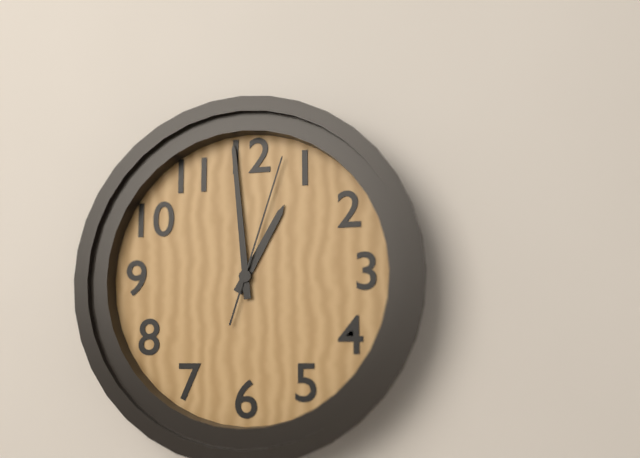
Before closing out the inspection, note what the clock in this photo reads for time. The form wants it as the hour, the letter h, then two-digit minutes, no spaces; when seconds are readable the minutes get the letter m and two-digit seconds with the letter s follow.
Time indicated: 12h59m03s
